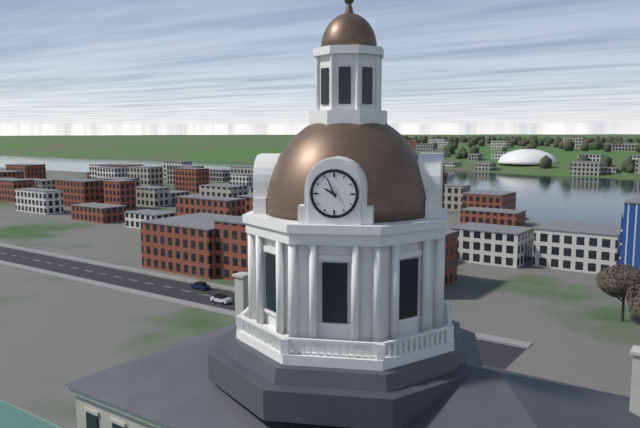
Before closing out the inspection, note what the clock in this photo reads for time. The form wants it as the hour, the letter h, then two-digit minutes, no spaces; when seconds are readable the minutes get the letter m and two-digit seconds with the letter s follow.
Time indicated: 9h56
